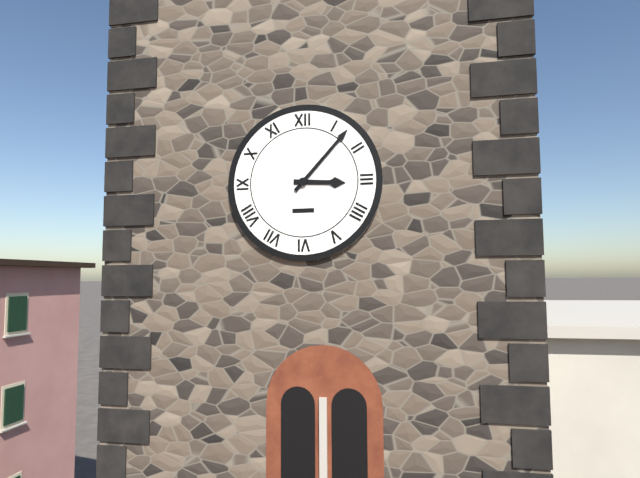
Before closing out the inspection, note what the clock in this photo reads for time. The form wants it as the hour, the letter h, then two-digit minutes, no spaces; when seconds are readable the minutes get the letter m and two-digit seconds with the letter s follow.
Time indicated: 3h07
